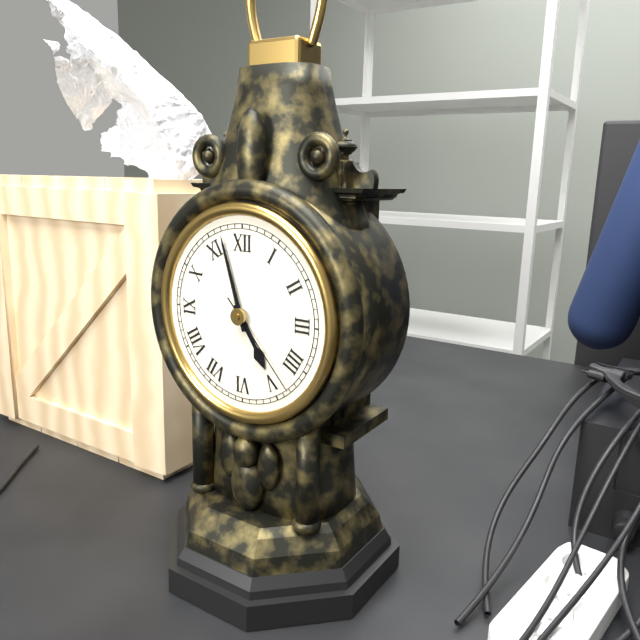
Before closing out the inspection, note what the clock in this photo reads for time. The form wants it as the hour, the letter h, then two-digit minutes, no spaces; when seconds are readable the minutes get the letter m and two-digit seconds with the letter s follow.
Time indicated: 4h57m23s
